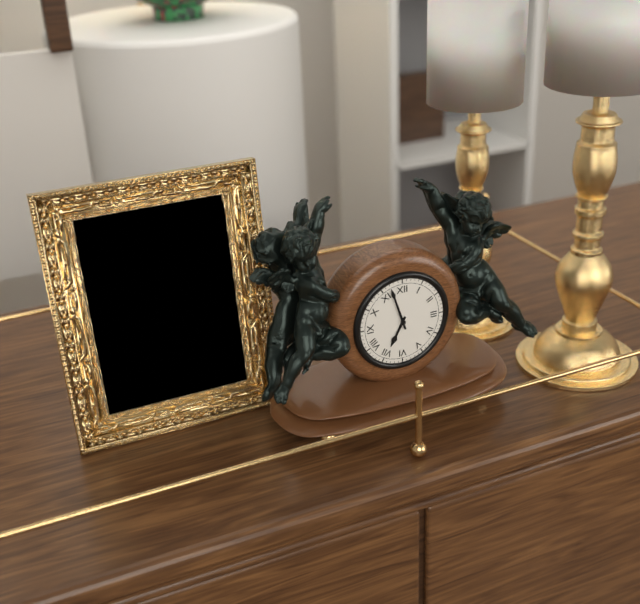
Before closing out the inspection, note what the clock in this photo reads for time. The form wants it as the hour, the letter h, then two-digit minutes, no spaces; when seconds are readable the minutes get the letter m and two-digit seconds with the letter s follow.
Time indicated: 6h57
